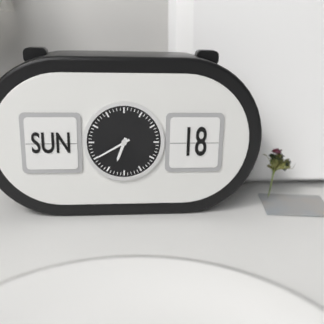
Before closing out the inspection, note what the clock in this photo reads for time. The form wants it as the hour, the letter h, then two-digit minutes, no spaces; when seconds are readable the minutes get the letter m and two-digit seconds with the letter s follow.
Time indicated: 6h40
